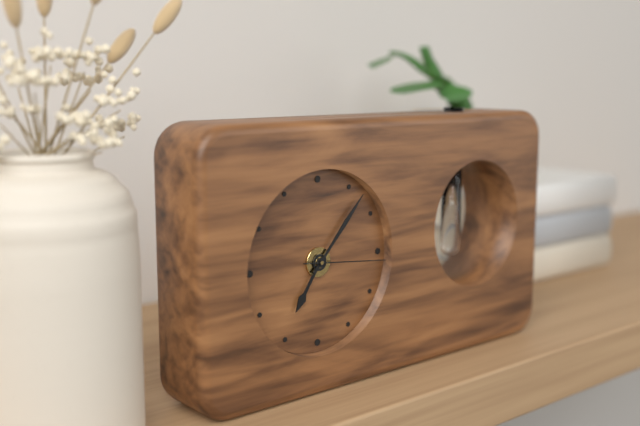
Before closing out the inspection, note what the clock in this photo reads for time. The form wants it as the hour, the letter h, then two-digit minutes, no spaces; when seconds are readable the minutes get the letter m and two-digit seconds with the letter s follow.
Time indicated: 7h07m16s
